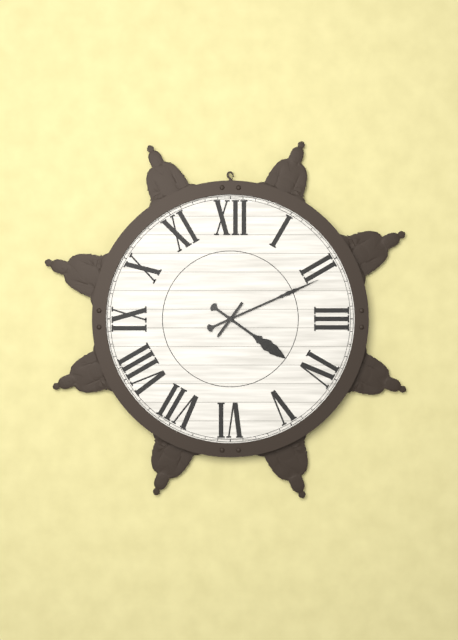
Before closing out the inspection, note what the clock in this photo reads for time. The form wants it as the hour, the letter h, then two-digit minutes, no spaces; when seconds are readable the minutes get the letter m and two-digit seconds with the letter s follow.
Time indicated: 4h11
